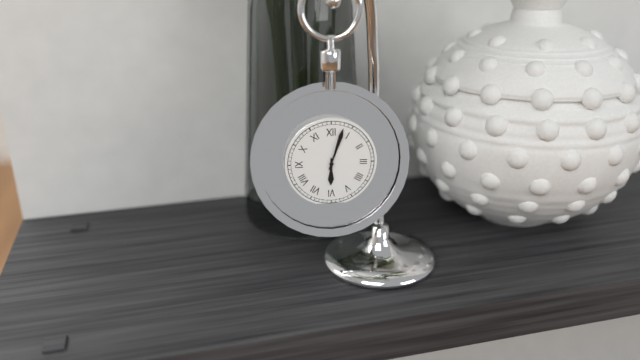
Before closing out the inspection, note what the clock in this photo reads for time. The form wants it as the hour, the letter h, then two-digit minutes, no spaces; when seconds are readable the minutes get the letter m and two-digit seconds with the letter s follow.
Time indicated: 6h03
